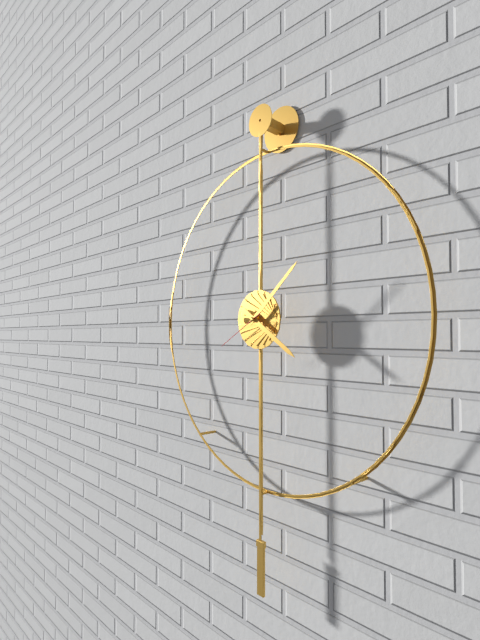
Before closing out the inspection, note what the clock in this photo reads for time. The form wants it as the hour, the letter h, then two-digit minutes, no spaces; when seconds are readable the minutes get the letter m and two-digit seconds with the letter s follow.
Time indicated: 4h08m40s
